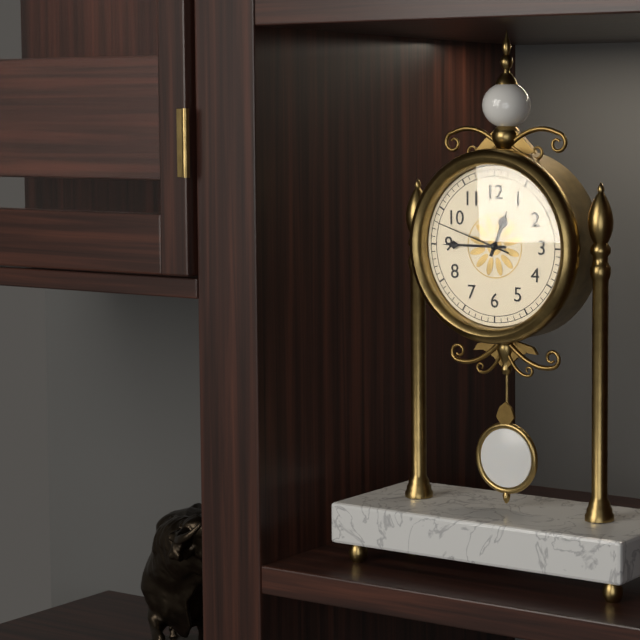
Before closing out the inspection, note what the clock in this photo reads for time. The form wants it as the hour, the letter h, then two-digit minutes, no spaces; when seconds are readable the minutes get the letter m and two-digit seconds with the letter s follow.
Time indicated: 12h45m48s
